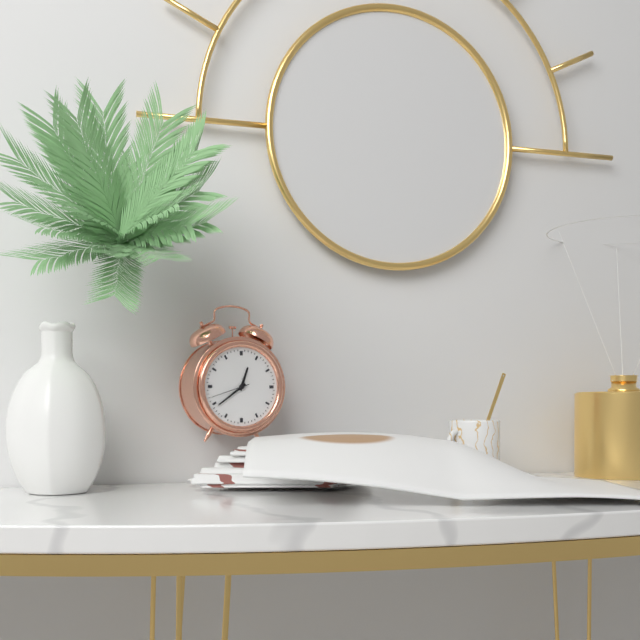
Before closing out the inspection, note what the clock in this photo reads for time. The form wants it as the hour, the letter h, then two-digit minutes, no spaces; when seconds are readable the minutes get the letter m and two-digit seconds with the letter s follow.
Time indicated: 12h39
